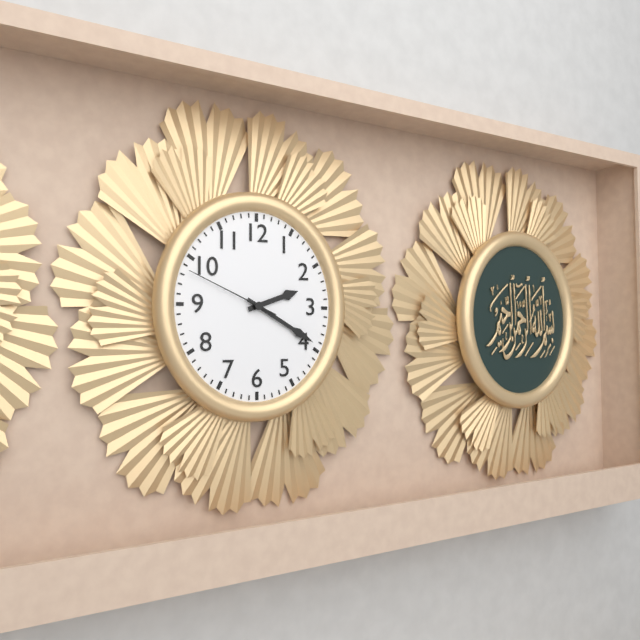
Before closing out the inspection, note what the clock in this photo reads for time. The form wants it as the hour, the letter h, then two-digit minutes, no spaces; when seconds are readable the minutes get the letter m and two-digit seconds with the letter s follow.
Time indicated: 2h20m49s
